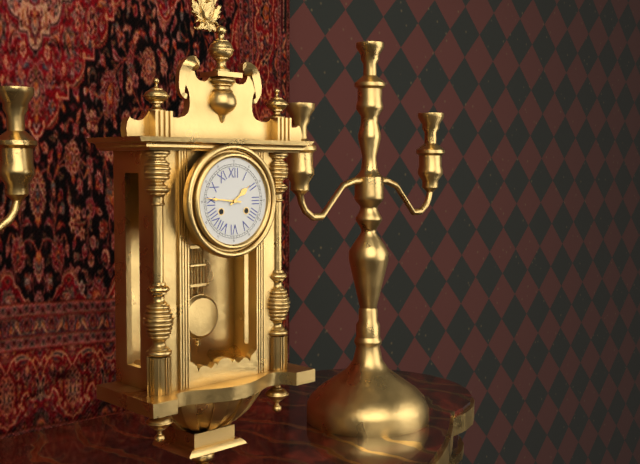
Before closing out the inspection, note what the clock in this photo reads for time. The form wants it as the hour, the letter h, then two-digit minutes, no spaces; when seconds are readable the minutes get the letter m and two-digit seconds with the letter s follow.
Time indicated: 1h46
